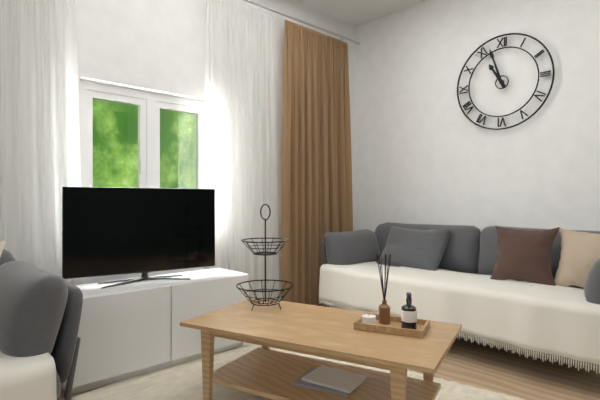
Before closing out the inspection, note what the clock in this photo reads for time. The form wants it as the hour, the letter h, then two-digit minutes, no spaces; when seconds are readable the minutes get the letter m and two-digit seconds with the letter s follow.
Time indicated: 10h57
